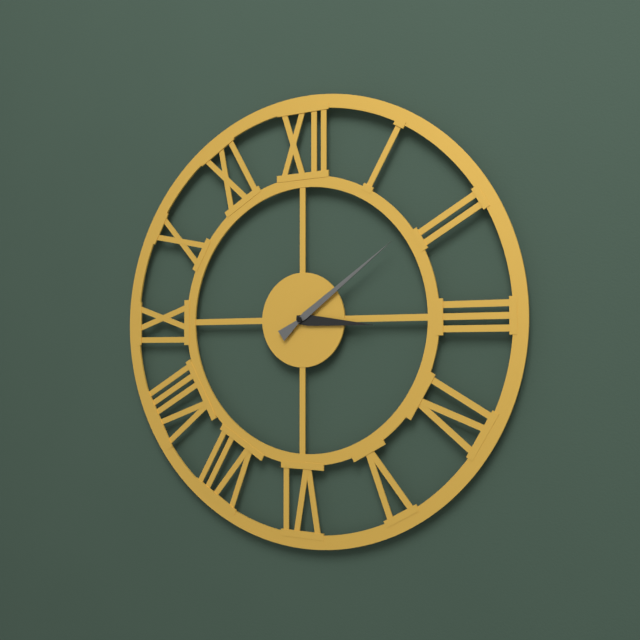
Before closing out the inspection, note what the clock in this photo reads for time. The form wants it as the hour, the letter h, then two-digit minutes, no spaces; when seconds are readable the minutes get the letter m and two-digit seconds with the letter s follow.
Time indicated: 3h09
